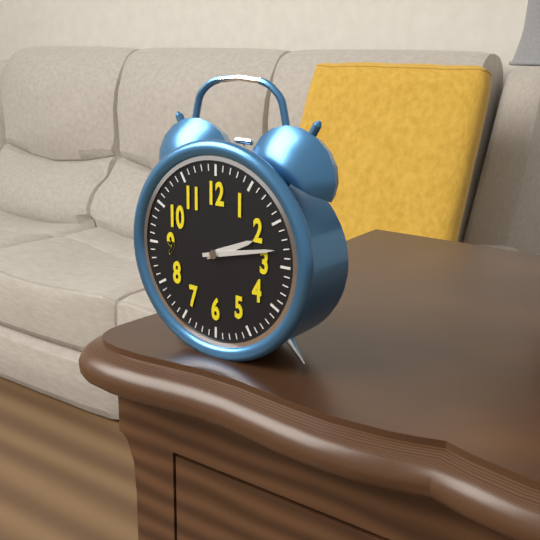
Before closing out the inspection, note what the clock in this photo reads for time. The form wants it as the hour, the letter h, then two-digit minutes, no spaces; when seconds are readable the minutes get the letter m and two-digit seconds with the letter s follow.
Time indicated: 2h13
